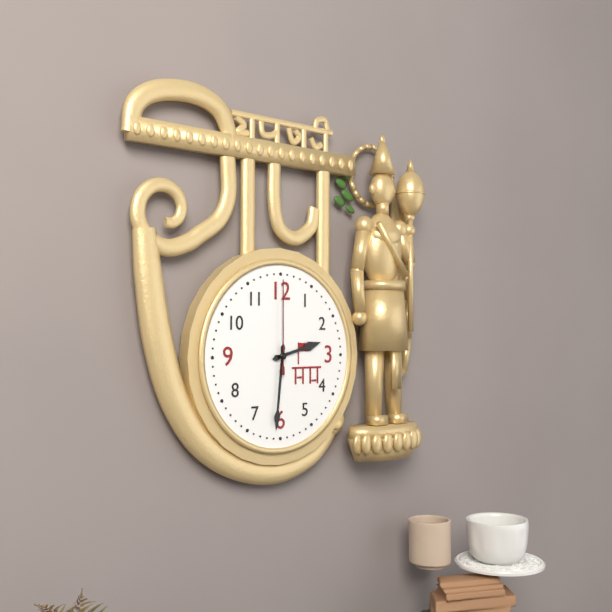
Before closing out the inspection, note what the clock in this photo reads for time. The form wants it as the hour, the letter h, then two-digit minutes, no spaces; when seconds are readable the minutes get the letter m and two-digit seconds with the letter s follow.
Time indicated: 2h31m00s
